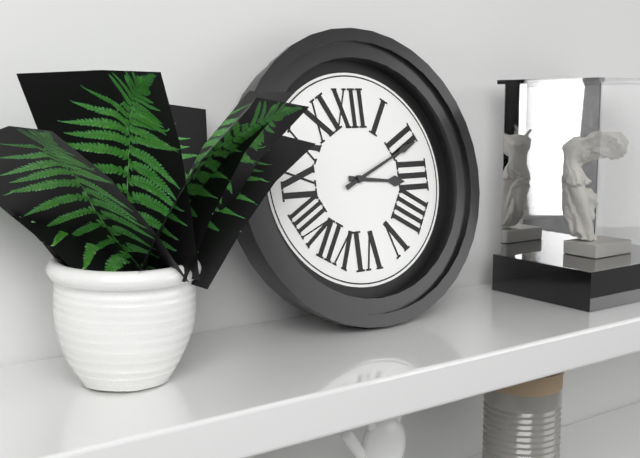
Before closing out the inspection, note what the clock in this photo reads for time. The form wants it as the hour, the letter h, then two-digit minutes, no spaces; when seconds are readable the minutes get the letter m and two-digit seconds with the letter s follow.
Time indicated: 3h11
